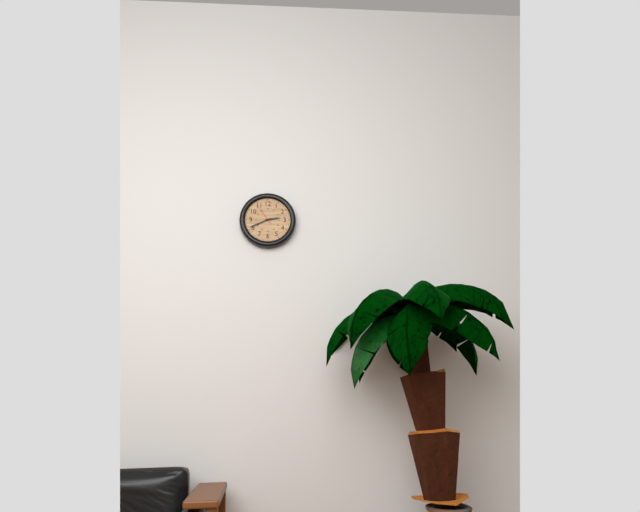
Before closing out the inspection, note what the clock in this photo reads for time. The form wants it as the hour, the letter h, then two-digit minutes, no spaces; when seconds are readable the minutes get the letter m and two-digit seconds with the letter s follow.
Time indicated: 2h41
